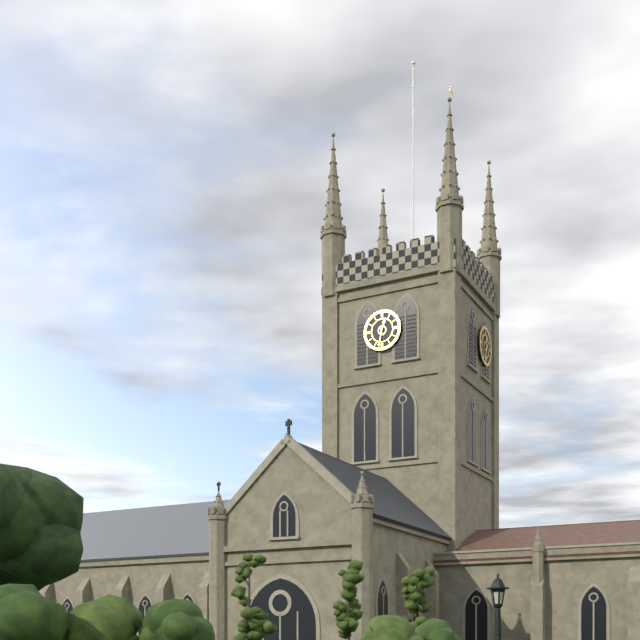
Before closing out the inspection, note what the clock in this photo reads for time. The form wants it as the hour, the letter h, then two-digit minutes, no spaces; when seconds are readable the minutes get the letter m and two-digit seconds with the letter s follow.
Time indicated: 12h32
